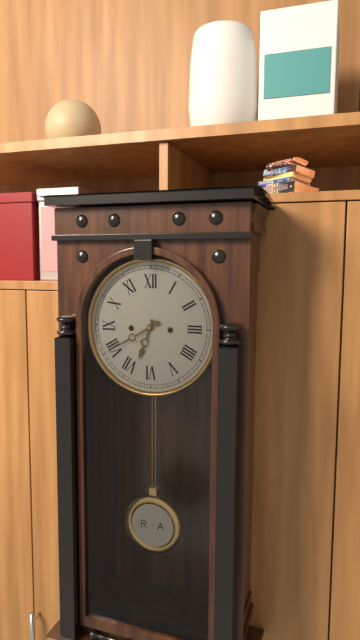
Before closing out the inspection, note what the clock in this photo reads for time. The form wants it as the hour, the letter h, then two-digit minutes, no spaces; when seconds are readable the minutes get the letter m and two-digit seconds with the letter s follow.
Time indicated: 6h40
